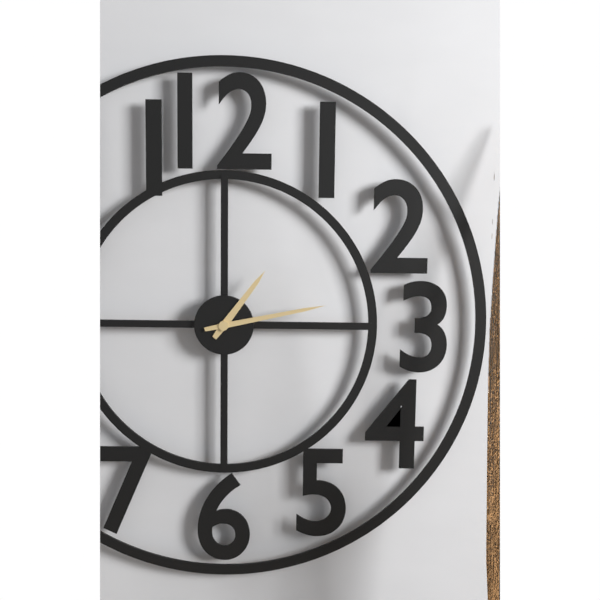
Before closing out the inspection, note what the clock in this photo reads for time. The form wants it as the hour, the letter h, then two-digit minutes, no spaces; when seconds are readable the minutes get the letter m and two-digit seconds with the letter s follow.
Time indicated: 1h13
